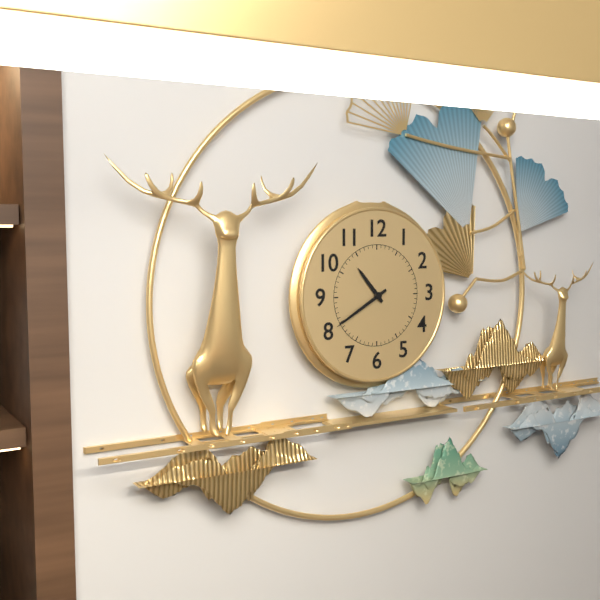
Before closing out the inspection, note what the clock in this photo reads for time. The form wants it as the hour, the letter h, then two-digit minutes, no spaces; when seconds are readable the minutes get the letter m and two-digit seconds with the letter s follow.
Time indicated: 10h40
